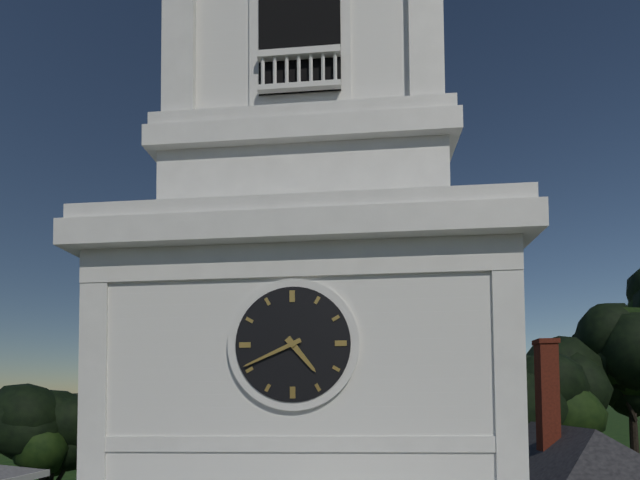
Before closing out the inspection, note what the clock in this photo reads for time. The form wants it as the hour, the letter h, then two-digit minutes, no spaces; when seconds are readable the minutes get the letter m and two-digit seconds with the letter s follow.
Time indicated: 4h41
